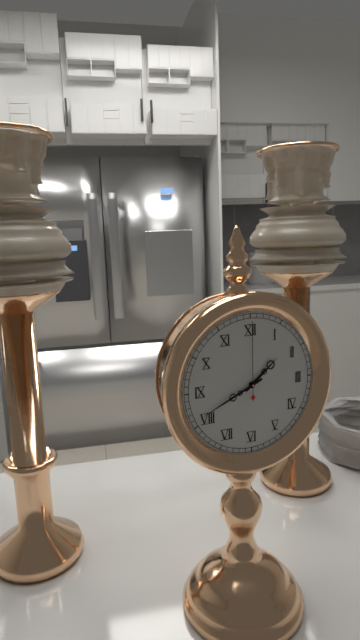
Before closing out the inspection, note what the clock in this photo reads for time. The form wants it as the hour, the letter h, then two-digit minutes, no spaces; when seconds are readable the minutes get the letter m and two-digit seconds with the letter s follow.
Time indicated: 1h41m00s
